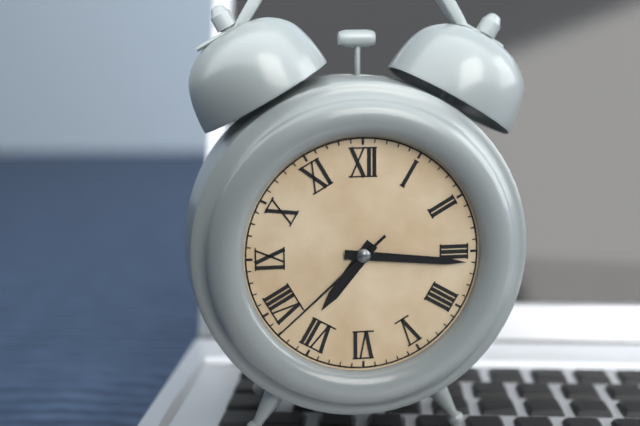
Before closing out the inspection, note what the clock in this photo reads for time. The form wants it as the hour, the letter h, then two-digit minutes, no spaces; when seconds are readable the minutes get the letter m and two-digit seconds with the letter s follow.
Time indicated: 7h16m38s
